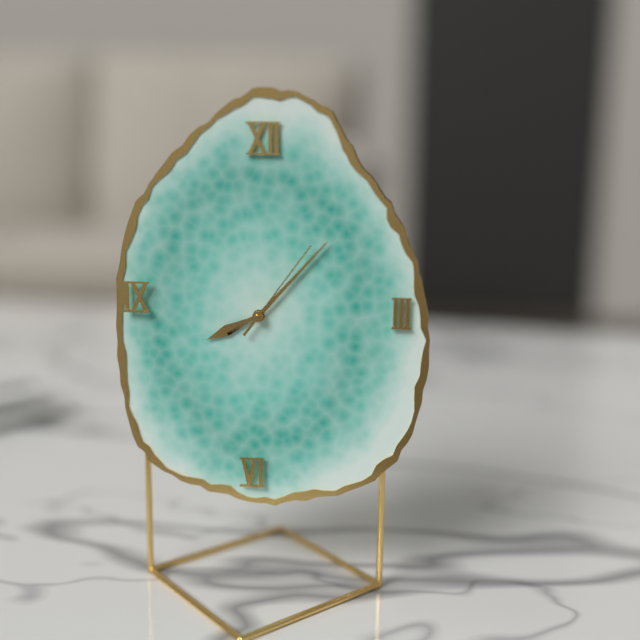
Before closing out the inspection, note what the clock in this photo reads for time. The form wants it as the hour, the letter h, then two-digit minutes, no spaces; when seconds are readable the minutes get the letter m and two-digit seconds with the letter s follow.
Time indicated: 8h07m06s
